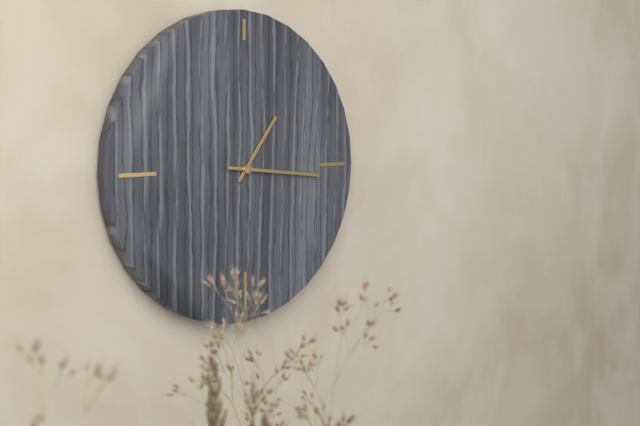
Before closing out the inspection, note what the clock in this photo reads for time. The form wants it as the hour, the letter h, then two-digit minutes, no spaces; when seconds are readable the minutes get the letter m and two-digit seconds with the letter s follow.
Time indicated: 1h16
